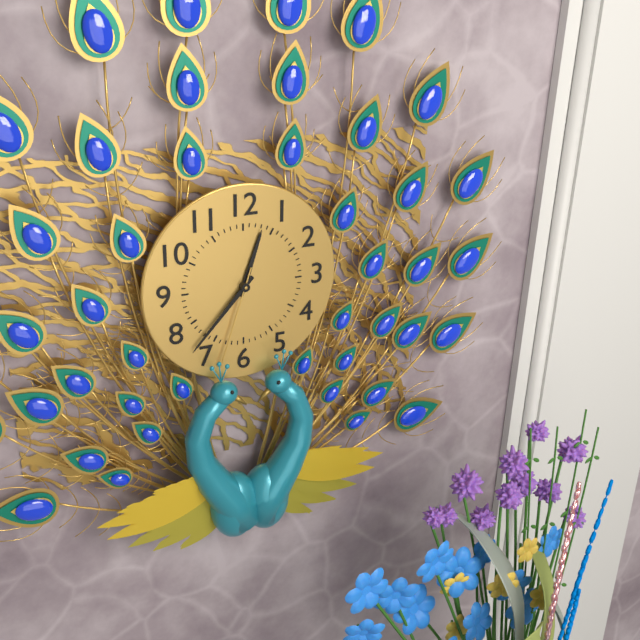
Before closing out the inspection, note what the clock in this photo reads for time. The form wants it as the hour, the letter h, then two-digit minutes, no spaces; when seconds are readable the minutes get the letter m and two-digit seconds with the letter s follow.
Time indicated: 12h37m33s
